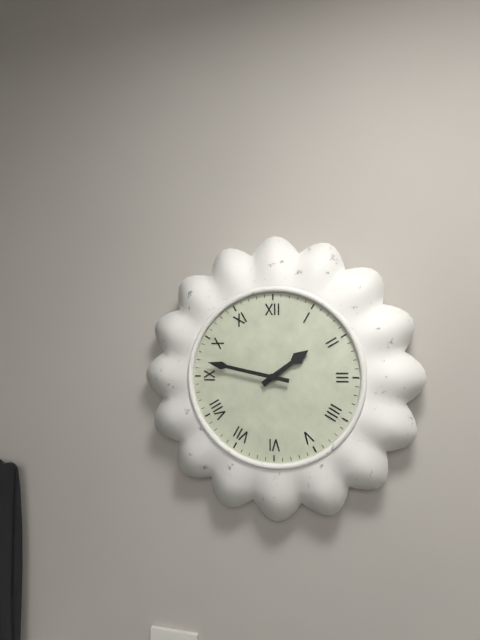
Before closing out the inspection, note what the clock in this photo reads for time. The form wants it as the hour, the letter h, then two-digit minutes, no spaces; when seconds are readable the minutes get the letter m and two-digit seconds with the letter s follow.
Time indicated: 1h47
